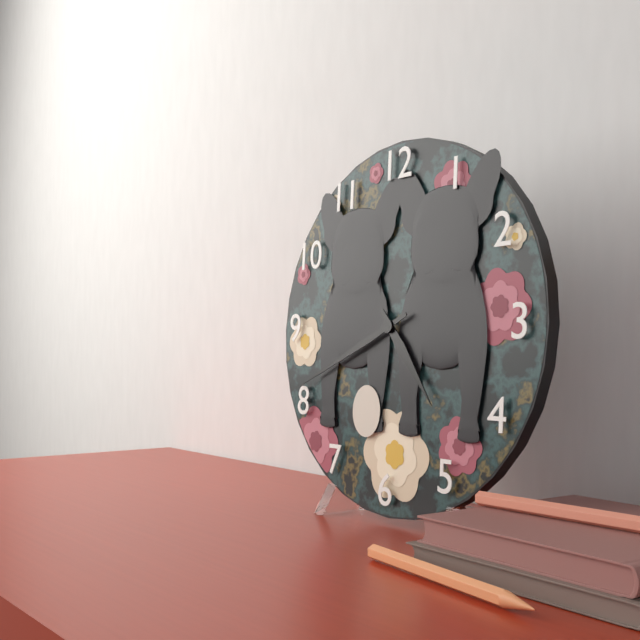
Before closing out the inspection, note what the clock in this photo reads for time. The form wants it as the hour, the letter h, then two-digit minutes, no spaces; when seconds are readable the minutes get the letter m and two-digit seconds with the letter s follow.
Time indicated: 4h41
